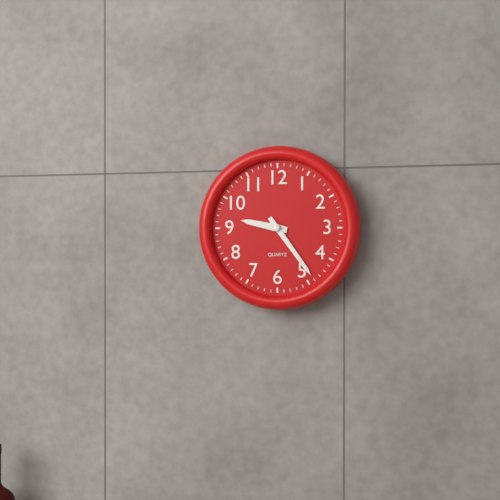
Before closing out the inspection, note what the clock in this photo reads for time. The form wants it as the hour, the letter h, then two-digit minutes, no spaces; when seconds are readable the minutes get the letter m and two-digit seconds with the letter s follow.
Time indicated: 9h24
